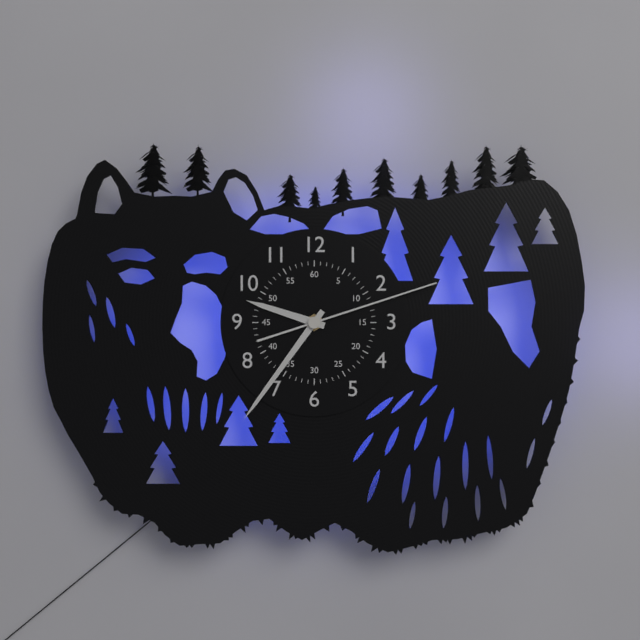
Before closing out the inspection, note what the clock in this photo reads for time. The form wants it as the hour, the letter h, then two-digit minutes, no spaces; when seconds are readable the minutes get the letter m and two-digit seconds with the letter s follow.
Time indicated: 9h36m12s
